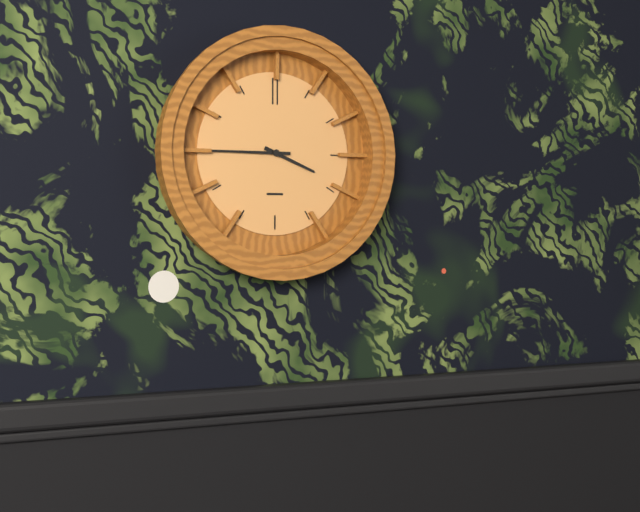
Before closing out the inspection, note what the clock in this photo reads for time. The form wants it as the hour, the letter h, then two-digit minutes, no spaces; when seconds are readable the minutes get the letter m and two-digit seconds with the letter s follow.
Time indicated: 3h45
